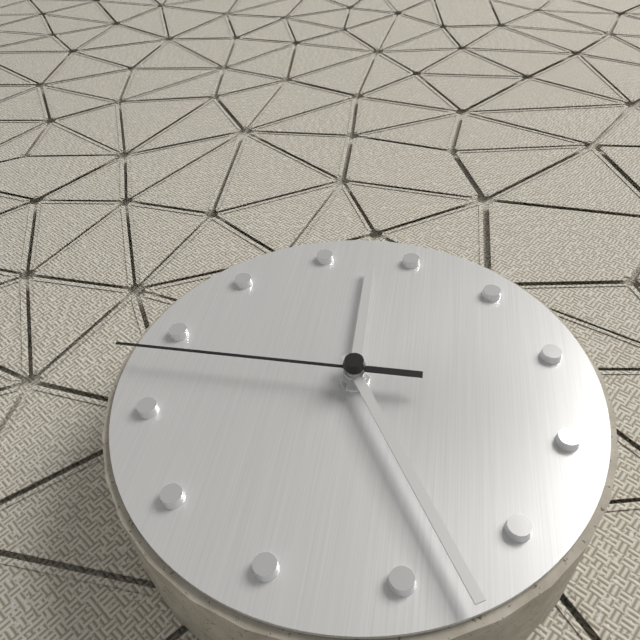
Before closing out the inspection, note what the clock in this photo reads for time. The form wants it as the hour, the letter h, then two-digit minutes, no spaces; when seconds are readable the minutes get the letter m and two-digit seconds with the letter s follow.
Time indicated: 1h33m53s
